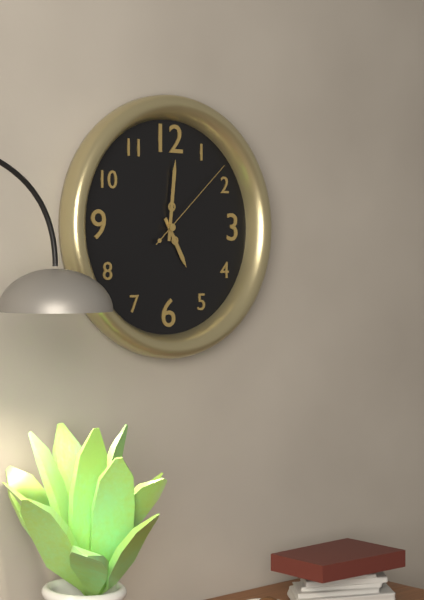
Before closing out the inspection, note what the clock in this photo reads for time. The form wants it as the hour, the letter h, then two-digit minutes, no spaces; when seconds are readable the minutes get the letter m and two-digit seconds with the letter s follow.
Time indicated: 5h01m08s
